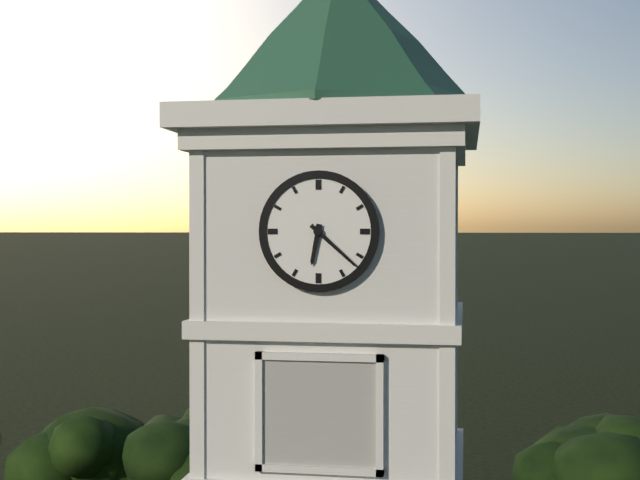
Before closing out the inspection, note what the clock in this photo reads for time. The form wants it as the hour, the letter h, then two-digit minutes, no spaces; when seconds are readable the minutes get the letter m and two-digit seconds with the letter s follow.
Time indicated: 6h22
